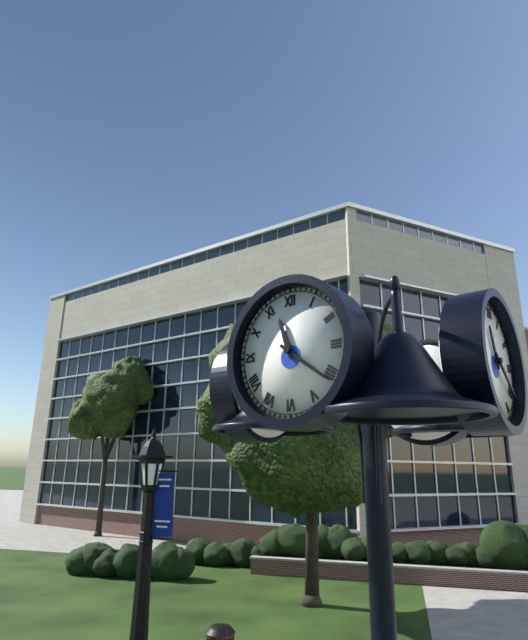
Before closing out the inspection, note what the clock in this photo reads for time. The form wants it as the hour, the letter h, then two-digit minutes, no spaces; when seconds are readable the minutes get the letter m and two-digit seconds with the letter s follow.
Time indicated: 11h21
